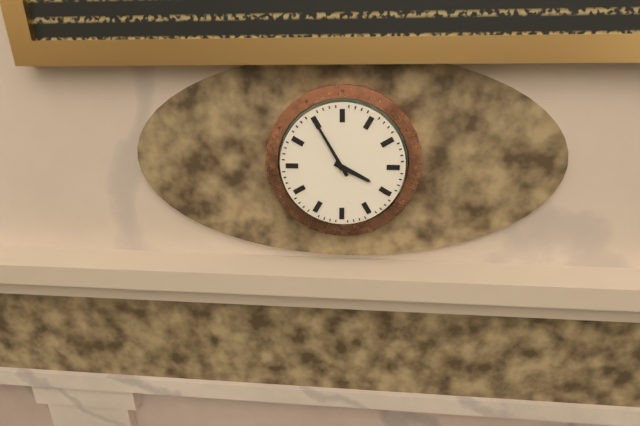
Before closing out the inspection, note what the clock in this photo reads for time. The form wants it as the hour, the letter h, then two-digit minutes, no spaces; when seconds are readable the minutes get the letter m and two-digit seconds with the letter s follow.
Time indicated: 3h55
